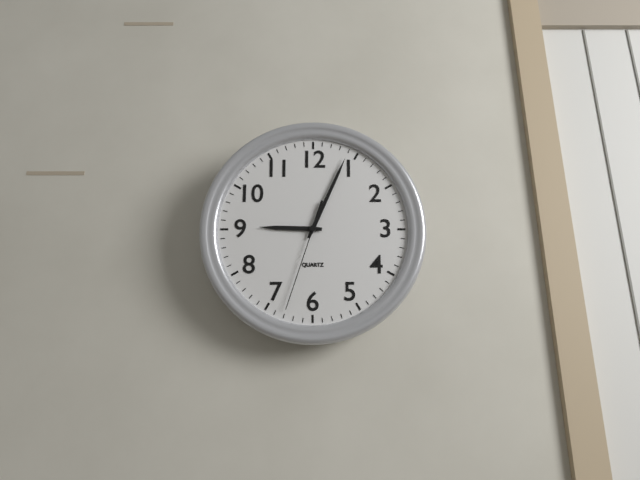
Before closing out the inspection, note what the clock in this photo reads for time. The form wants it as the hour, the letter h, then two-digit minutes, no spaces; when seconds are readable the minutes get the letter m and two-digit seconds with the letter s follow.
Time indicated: 9h04m33s
